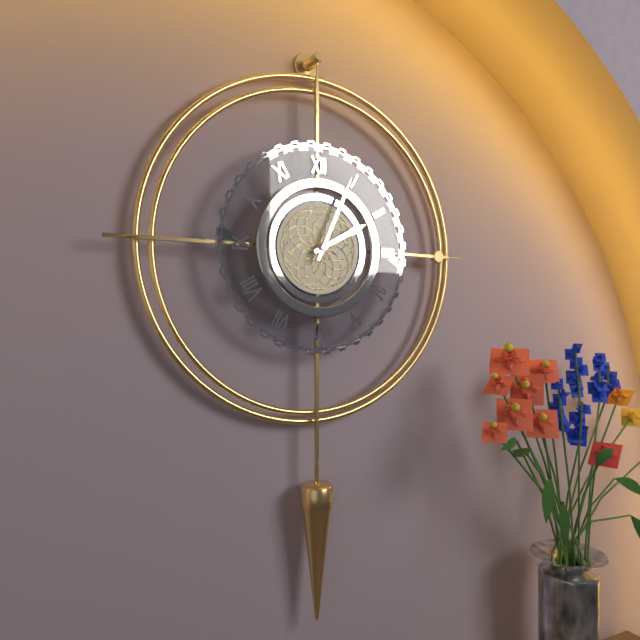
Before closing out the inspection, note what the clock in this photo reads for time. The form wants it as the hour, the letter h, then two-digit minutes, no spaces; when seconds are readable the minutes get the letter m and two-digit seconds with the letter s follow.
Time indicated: 2h04
